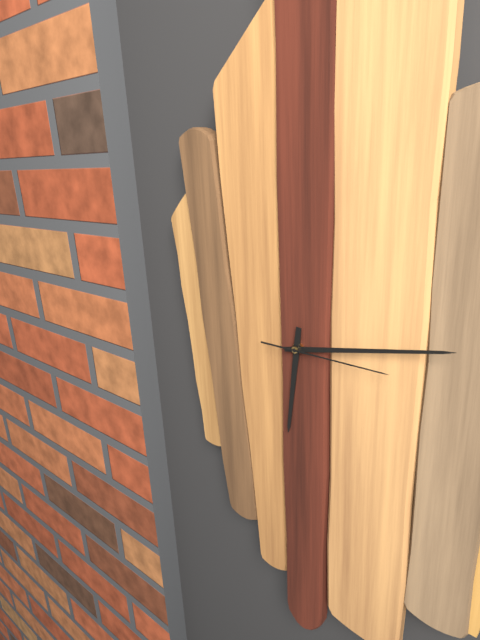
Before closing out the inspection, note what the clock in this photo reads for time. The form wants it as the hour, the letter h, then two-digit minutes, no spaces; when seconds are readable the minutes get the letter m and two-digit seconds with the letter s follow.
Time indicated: 6h13m15s
